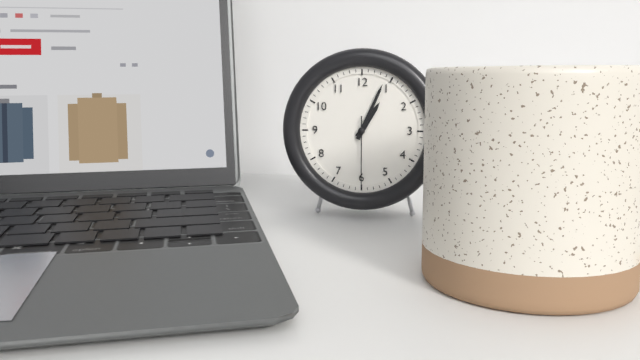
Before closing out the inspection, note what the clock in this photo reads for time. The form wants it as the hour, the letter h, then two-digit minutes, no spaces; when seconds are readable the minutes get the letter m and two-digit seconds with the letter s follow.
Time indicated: 1h04m30s
